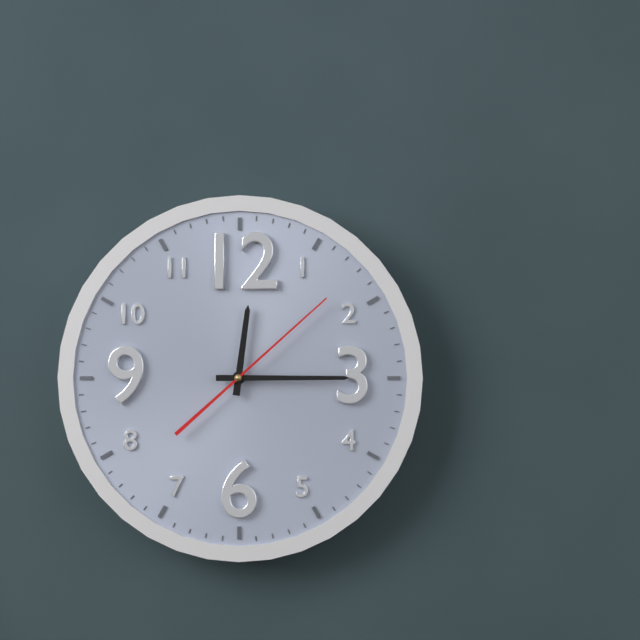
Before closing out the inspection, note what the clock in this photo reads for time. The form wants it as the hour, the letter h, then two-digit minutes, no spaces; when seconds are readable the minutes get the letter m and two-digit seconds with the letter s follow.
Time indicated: 12h15m08s
